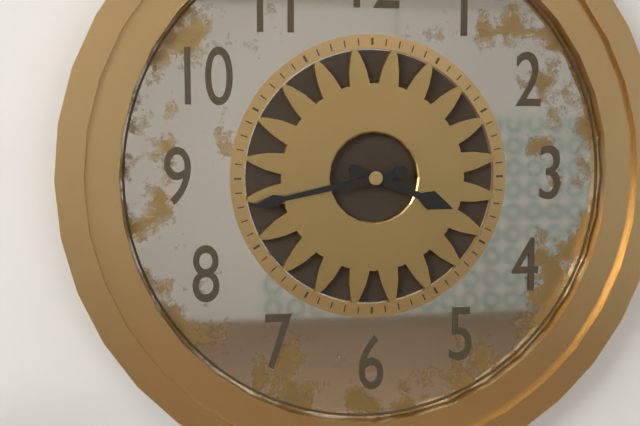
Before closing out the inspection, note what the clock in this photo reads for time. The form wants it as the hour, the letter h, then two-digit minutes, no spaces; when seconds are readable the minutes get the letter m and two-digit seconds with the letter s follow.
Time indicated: 3h43
